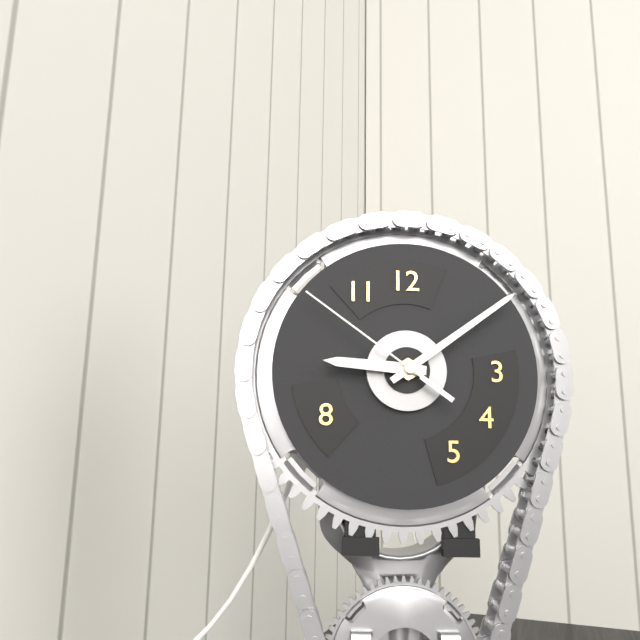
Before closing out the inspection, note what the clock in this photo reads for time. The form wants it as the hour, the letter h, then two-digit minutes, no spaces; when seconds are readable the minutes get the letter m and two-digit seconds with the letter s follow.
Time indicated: 9h09m51s
